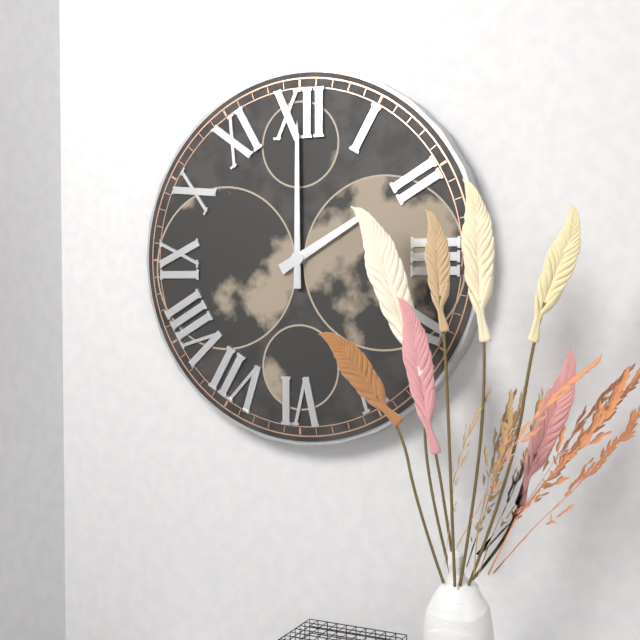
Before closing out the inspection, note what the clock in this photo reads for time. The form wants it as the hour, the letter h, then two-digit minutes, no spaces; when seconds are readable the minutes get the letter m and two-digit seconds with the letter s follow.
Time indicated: 2h00
